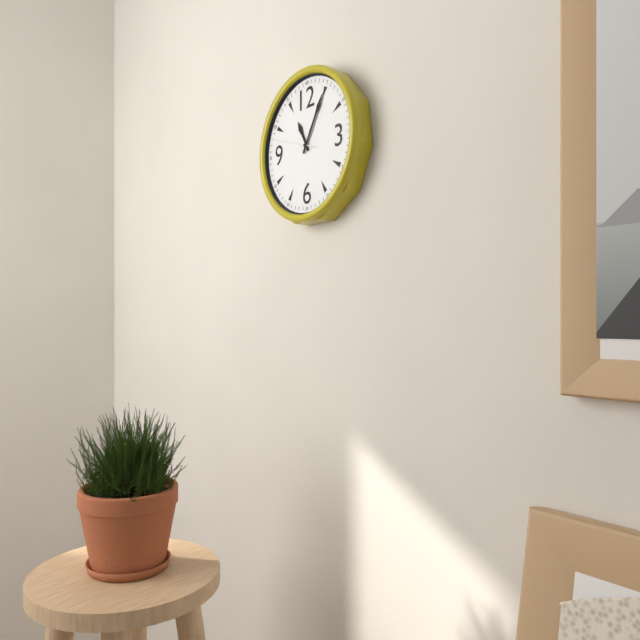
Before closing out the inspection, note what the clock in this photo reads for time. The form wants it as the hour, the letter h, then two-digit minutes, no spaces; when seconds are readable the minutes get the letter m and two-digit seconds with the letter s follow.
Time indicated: 11h05
